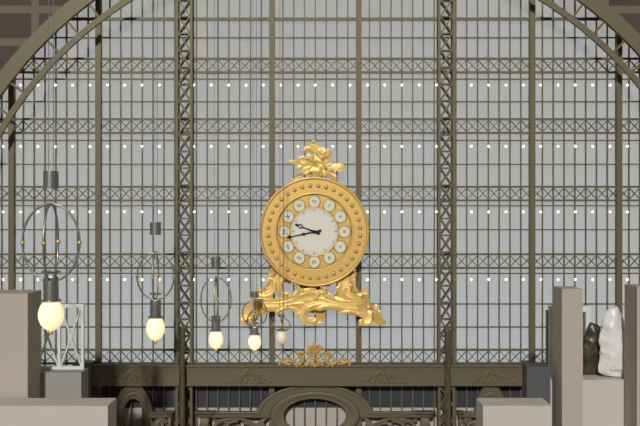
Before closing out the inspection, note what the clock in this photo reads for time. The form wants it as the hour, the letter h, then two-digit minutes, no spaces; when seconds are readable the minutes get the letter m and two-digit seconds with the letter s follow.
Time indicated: 9h43
